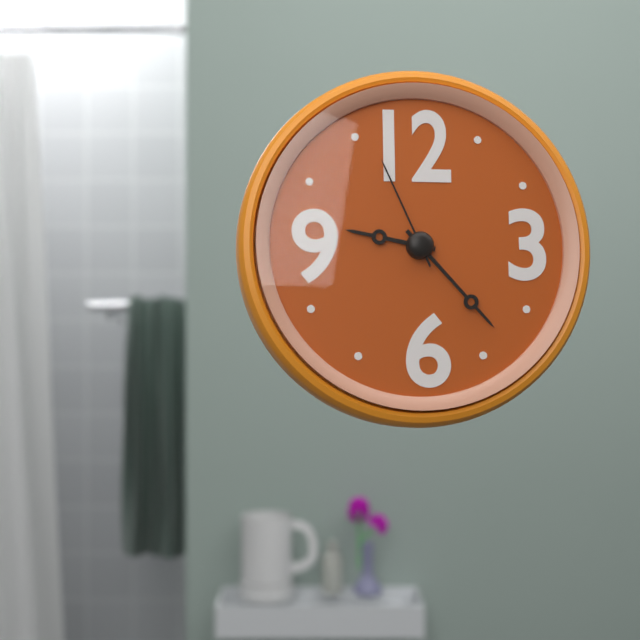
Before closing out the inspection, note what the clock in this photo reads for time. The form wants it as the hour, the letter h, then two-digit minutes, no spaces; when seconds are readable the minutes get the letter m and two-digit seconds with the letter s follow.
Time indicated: 9h23m56s
